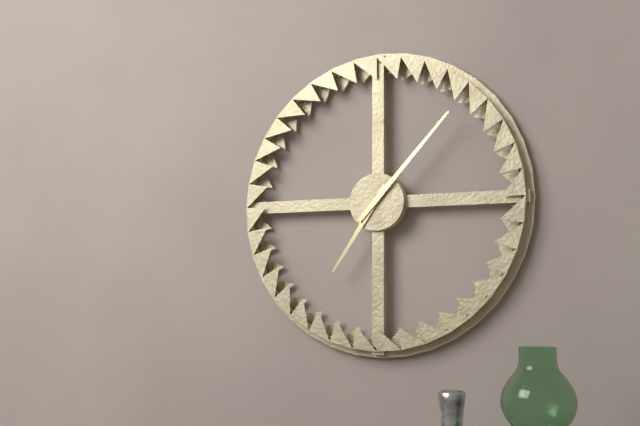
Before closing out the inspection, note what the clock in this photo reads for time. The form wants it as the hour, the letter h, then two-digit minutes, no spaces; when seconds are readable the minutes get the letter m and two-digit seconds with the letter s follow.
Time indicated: 7h07
